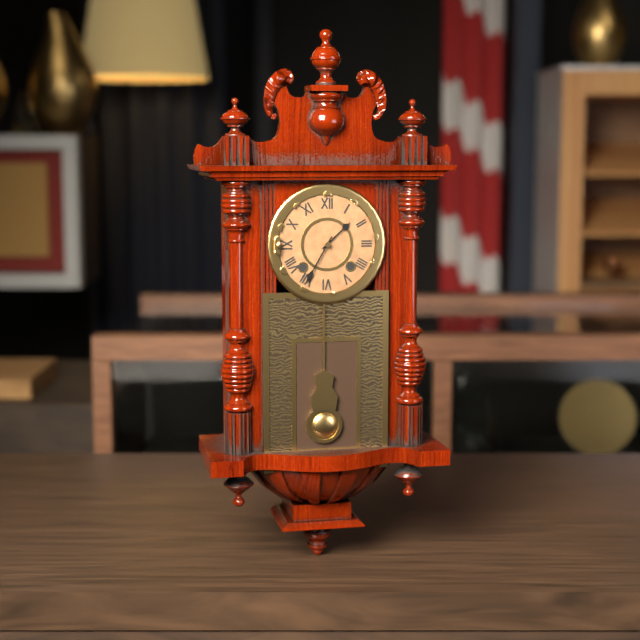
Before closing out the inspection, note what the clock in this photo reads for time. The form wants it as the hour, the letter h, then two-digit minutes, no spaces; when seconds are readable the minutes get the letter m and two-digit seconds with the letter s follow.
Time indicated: 1h35
